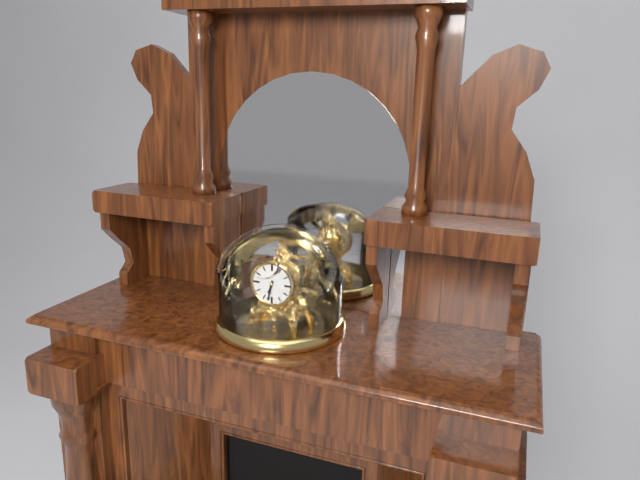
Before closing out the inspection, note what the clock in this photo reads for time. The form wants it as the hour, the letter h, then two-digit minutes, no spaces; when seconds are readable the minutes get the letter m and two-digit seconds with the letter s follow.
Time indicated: 6h32
